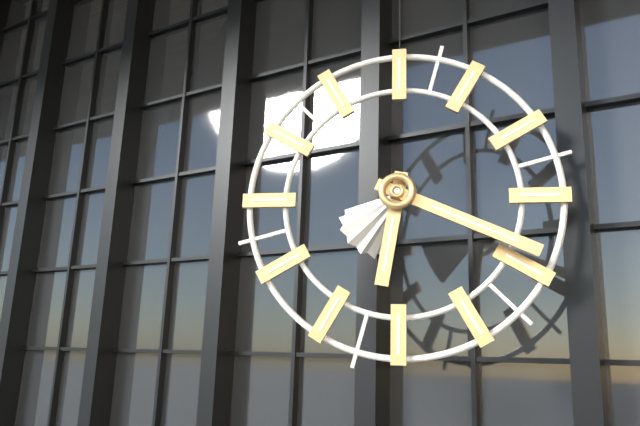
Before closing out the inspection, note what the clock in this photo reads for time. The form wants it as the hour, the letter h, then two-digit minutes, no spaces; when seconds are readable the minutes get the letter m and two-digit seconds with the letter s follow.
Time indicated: 6h19
